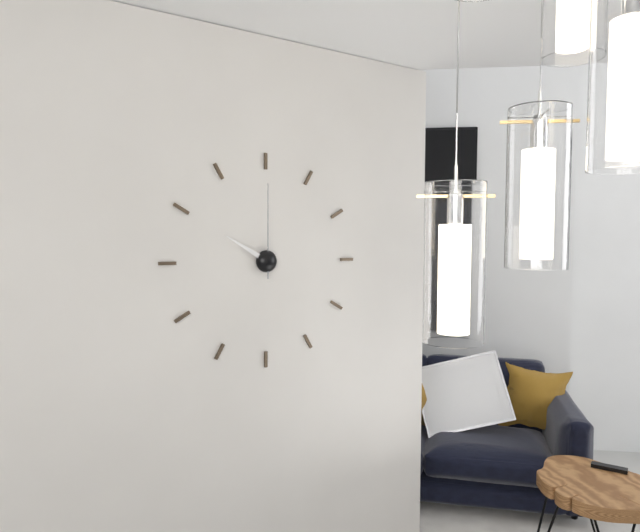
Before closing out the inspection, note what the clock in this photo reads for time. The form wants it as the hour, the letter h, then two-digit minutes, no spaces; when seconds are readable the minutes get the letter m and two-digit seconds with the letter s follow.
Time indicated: 10h00
